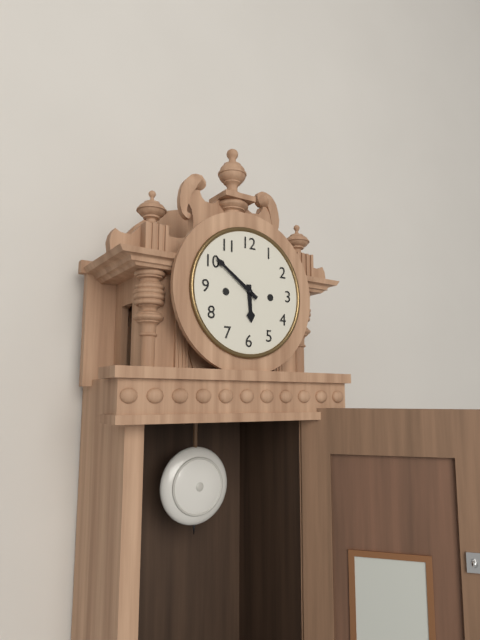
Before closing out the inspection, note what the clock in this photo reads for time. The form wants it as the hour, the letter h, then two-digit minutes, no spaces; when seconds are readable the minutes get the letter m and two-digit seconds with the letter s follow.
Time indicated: 5h51
